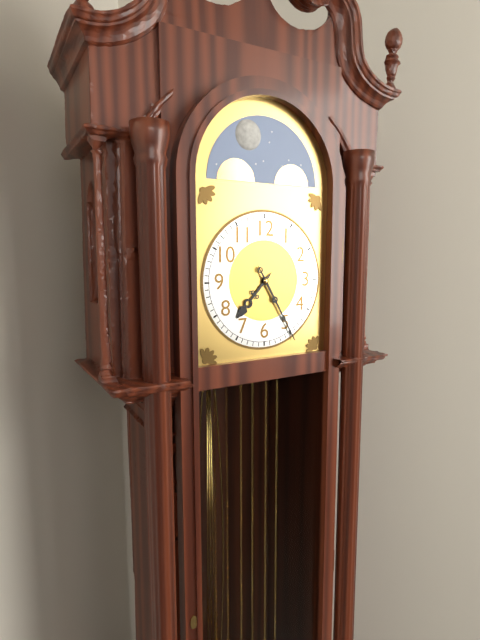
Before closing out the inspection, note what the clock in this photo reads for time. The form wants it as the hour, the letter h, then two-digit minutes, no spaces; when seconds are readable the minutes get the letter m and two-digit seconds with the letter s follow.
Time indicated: 7h25
